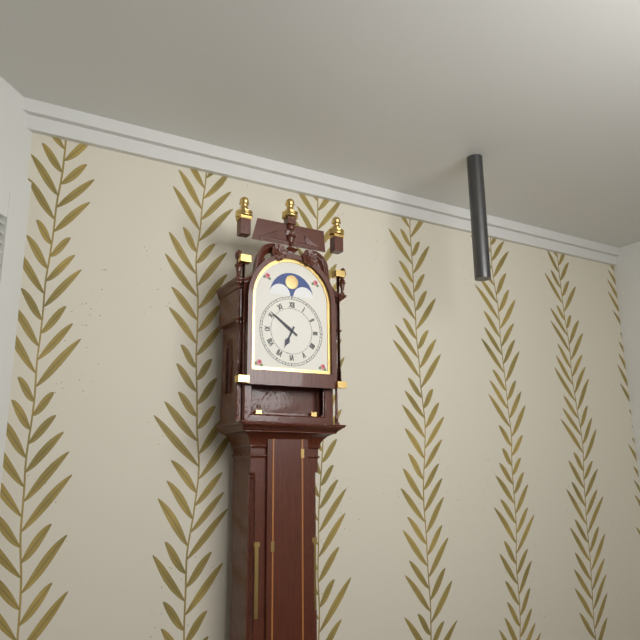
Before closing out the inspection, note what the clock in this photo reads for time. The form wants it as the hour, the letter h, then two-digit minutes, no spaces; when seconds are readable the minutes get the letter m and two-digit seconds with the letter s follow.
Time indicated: 6h51
